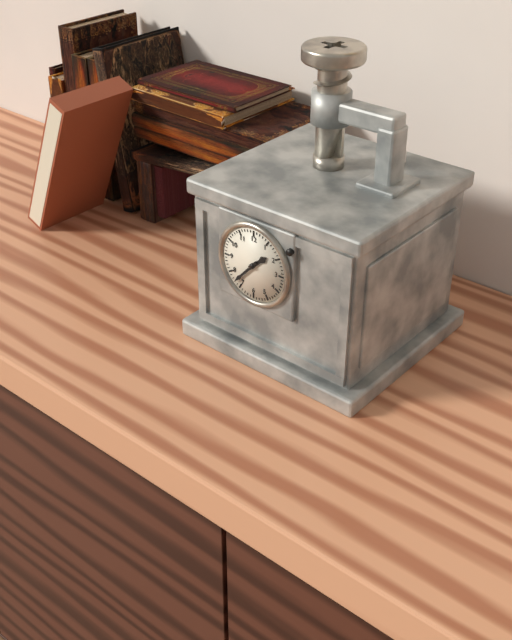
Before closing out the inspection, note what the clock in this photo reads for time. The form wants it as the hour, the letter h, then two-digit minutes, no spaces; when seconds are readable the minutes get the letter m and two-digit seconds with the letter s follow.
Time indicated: 1h37
